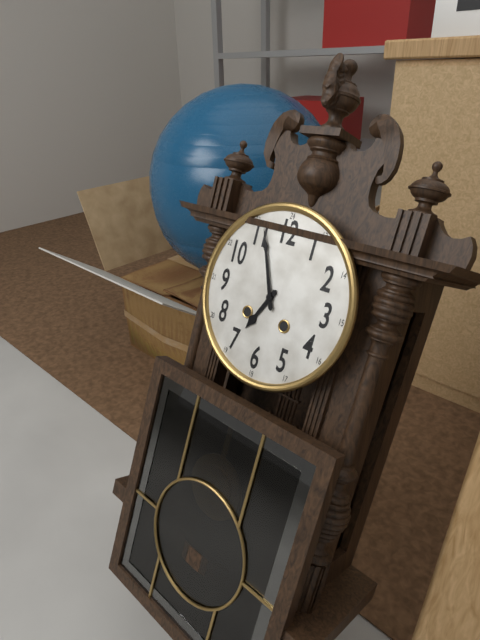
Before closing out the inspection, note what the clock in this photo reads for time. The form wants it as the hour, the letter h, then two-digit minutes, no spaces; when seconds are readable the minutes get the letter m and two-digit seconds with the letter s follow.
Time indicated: 6h56
